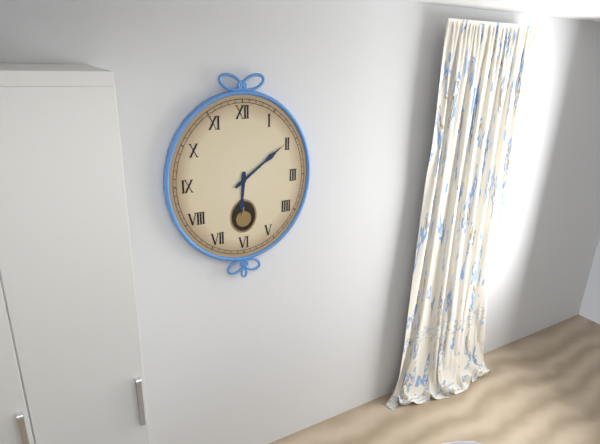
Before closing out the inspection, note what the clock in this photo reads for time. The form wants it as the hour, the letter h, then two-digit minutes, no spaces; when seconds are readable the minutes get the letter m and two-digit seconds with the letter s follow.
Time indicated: 6h09
